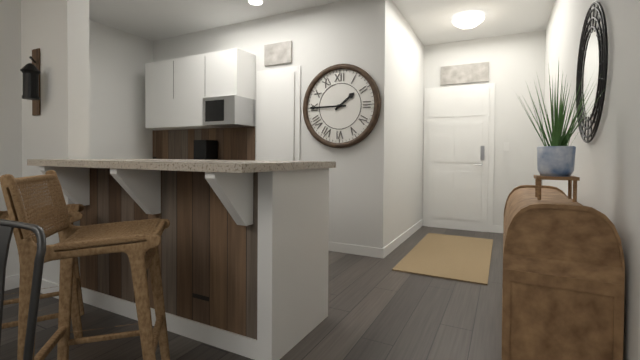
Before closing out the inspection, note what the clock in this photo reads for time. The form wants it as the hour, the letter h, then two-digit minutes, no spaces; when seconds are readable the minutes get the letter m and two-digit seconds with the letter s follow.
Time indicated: 1h45
